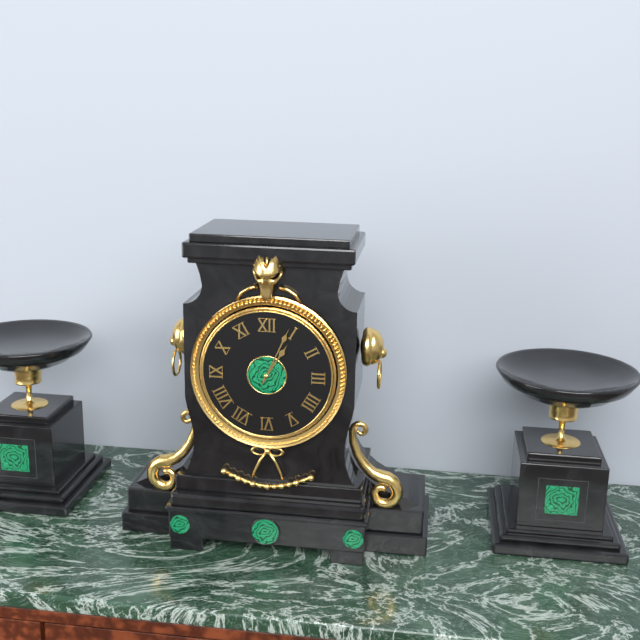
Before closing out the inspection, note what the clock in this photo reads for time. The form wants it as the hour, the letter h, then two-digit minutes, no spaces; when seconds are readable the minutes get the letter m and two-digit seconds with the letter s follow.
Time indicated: 1h04
